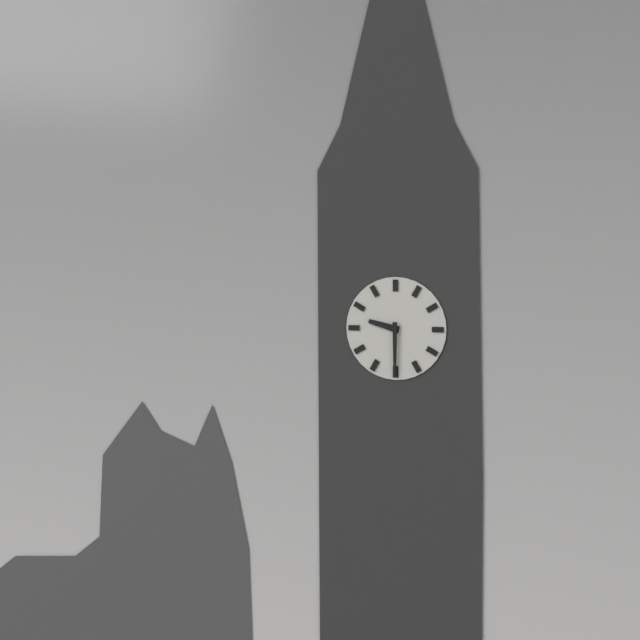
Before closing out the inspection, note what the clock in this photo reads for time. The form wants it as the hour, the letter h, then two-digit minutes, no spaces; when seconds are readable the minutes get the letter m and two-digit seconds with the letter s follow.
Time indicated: 9h30
